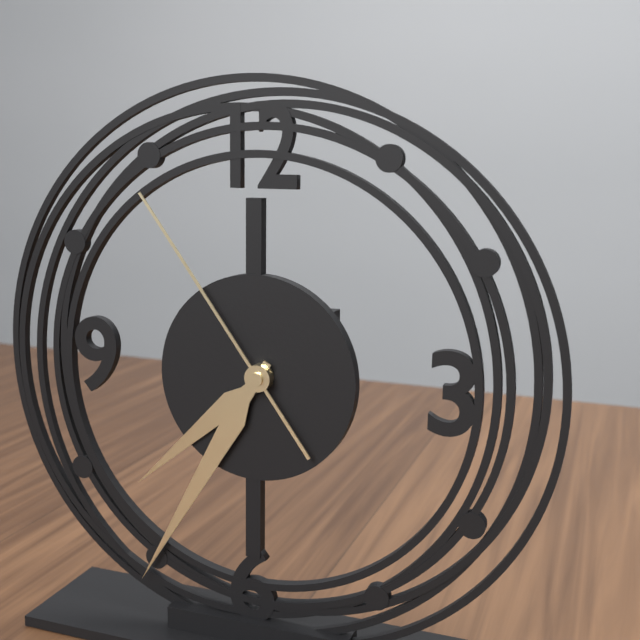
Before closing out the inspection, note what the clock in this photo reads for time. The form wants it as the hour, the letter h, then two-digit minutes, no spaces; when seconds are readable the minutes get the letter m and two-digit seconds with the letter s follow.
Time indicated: 7h35m54s
